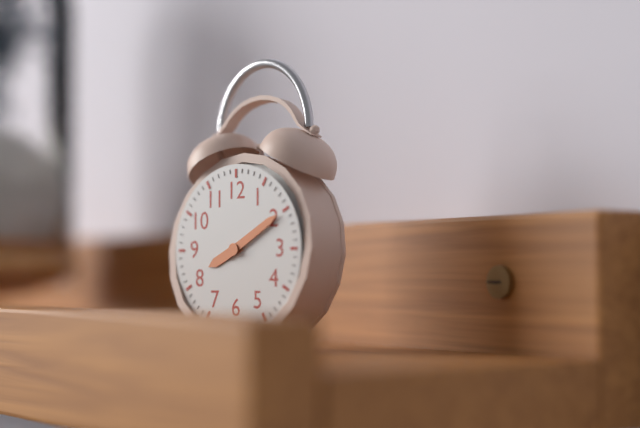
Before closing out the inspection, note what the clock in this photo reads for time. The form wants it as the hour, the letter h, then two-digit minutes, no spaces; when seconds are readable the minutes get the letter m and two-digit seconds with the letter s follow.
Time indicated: 8h10
